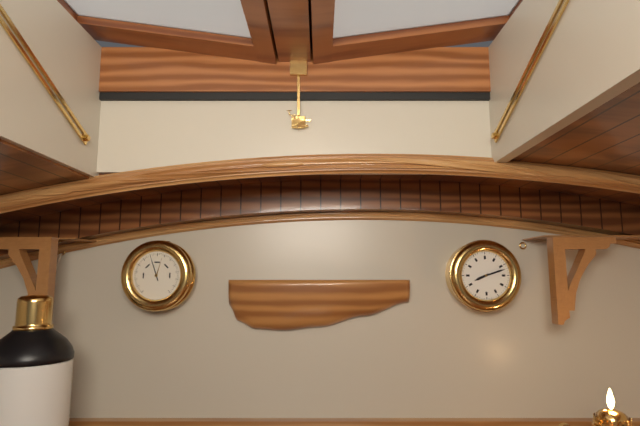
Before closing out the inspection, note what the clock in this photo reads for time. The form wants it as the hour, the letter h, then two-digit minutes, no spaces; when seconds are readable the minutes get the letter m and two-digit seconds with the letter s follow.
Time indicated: 8h12
